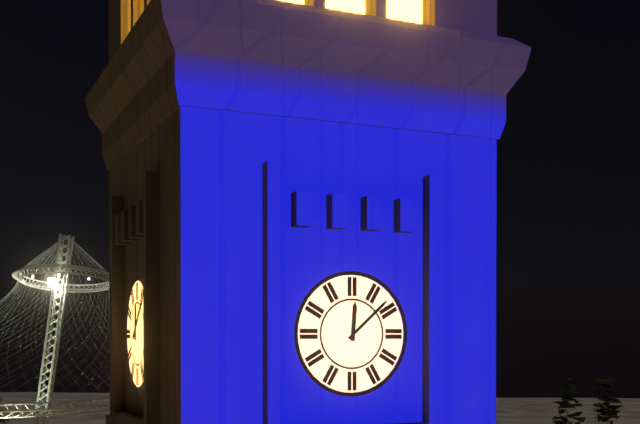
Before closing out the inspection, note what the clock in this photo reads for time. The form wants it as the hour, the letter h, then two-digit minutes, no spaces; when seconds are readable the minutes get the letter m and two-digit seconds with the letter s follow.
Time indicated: 12h08
